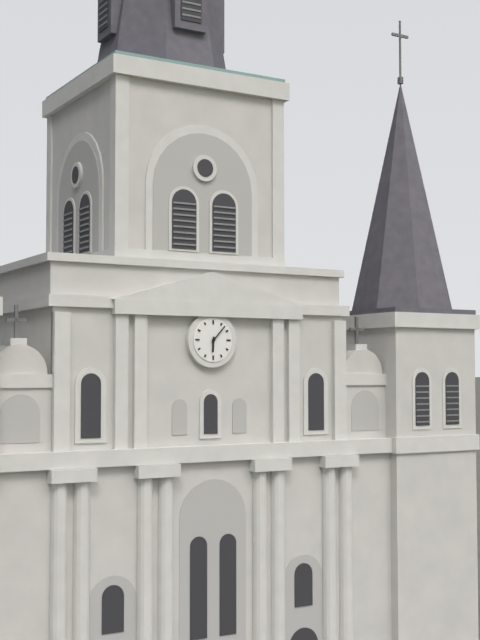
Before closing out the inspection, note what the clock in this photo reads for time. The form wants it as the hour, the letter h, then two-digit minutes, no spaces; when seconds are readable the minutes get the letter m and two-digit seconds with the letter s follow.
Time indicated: 6h07
